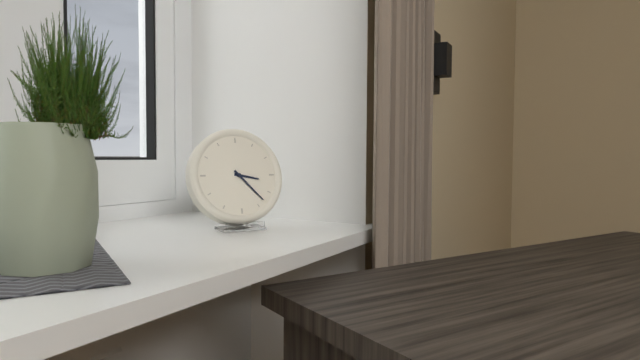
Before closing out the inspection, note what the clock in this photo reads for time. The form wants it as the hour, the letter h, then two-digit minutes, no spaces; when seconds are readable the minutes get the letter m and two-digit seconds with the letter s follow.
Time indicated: 3h23
